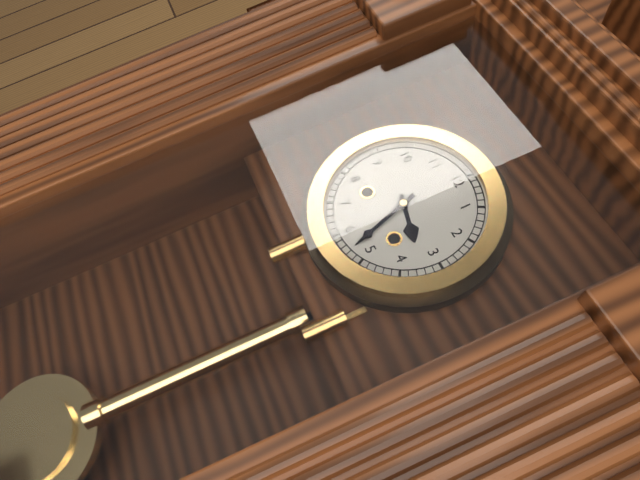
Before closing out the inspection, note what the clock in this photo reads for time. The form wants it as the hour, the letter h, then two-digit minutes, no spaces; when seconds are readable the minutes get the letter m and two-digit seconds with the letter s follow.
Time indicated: 3h27
